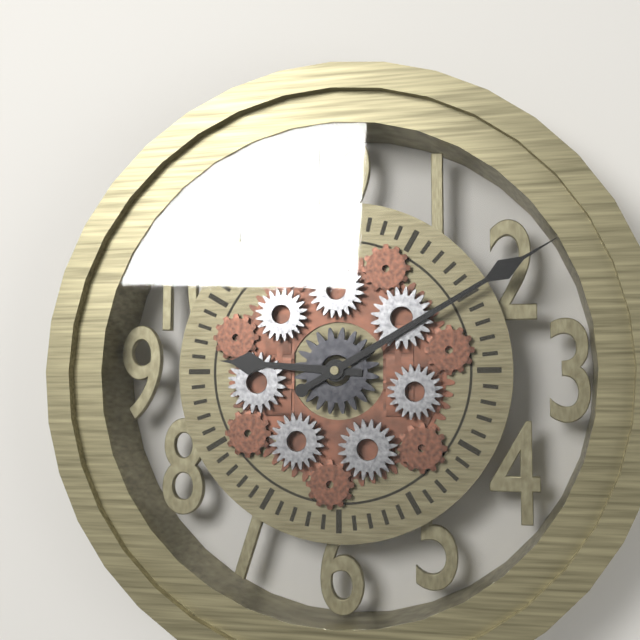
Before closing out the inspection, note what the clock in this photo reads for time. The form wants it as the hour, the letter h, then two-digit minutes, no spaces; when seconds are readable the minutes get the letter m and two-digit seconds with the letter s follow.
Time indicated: 9h10
